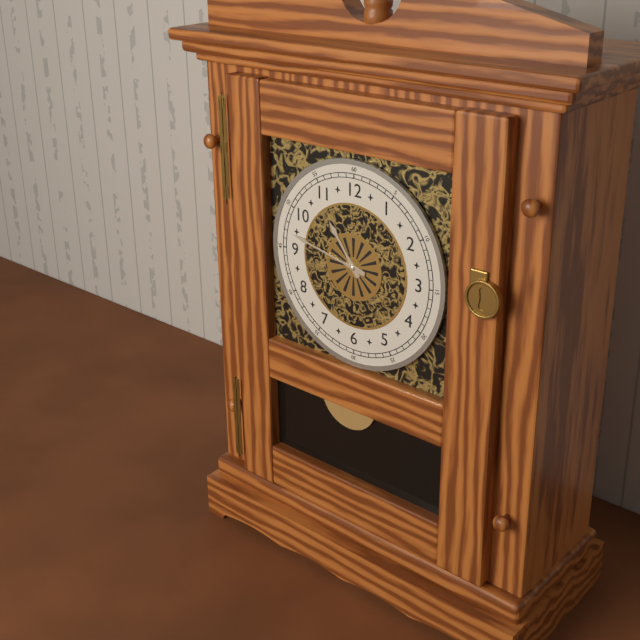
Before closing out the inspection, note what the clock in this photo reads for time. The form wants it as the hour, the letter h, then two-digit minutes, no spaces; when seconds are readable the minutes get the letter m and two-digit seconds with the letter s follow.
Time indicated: 10h47
